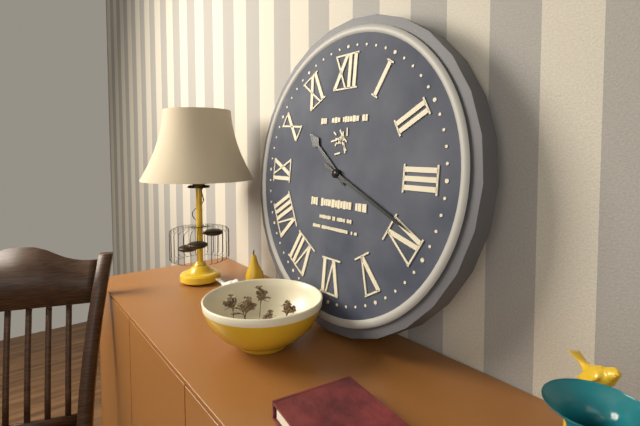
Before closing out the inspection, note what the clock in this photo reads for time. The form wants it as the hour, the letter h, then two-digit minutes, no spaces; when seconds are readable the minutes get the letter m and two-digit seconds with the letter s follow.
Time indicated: 10h19
